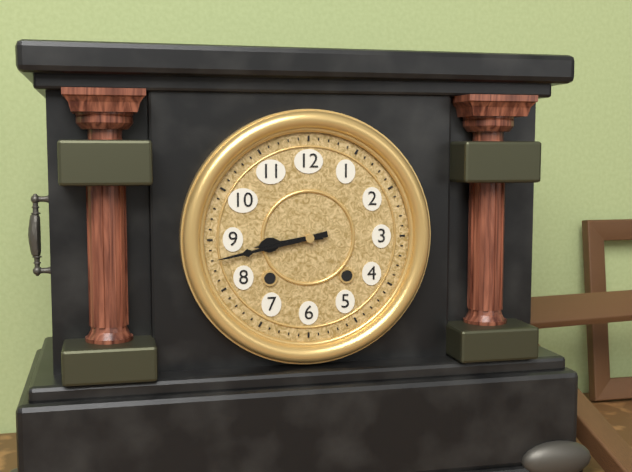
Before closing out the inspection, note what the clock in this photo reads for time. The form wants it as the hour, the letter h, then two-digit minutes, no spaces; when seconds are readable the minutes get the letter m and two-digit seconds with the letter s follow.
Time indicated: 8h43
